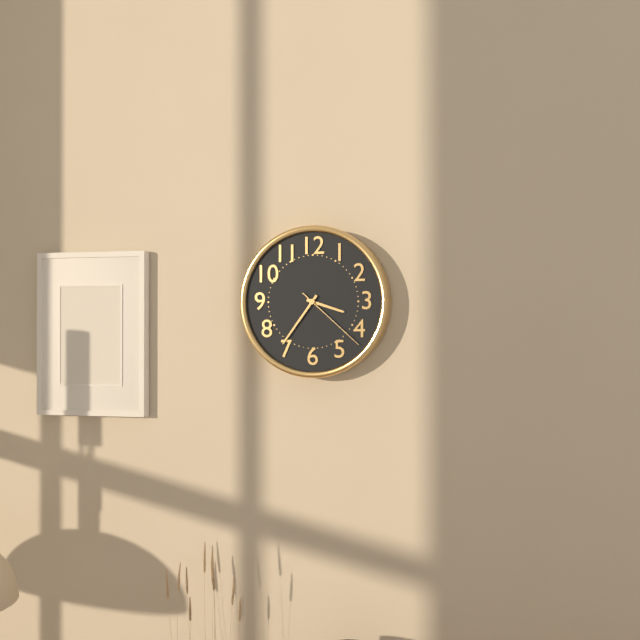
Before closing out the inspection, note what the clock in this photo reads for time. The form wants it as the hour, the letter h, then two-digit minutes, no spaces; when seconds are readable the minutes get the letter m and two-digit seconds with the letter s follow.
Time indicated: 3h36m22s
